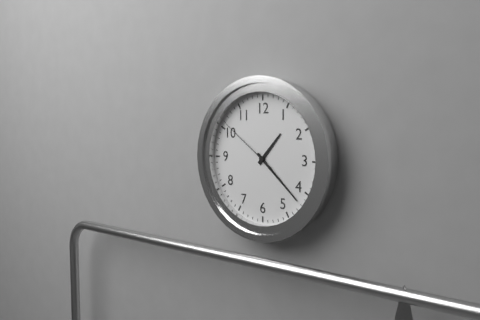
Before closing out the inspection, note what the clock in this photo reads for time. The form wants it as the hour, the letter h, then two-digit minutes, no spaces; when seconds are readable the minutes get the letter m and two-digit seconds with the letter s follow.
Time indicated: 1h22m51s
